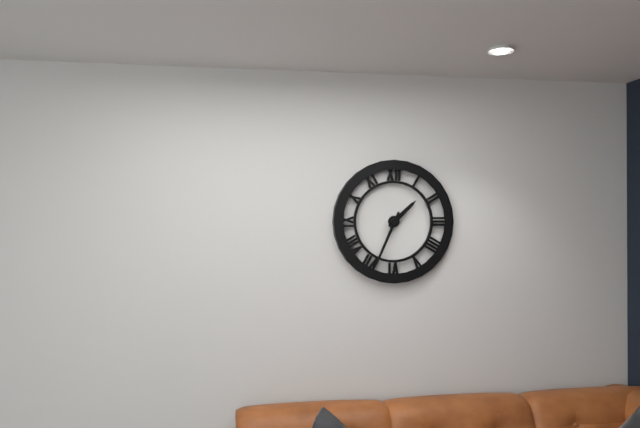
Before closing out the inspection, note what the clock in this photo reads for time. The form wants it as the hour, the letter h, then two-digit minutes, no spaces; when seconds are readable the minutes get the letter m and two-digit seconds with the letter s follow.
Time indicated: 1h34
